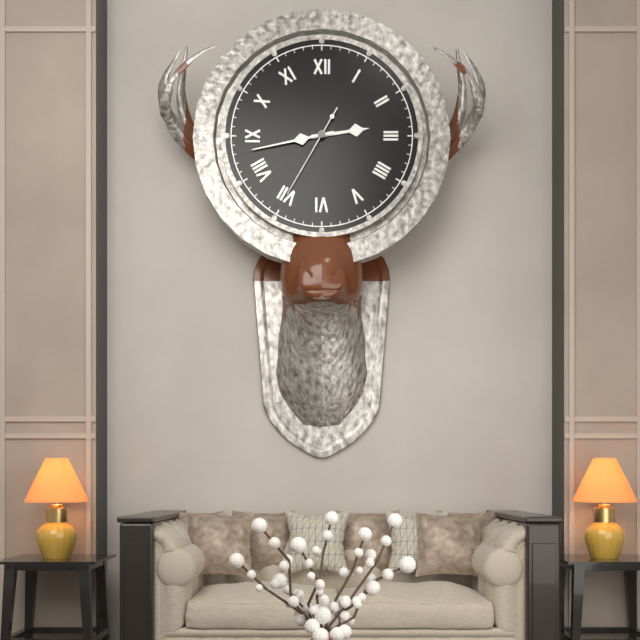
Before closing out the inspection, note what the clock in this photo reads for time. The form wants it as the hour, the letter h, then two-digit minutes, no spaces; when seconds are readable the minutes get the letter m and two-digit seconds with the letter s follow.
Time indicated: 2h43m35s
